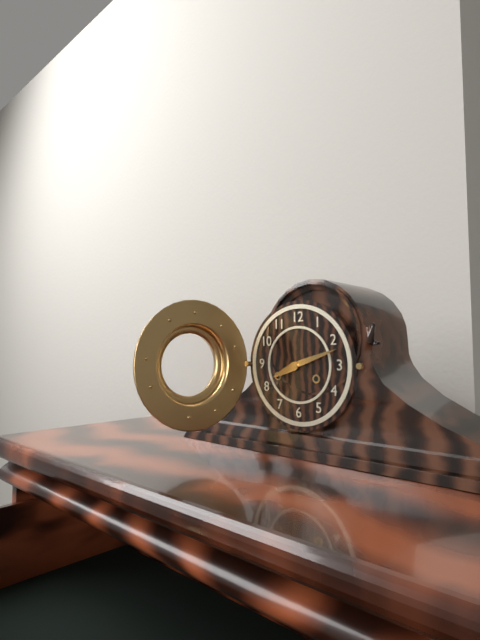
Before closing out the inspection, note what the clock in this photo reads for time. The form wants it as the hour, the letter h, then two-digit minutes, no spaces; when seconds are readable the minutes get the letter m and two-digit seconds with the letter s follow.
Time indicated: 8h12
